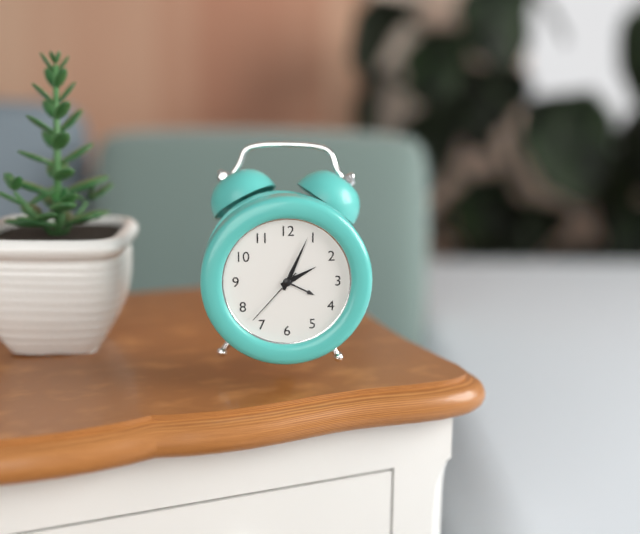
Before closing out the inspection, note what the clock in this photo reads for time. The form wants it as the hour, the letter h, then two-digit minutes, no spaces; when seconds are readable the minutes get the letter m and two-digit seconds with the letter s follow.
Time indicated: 2h04m37s
